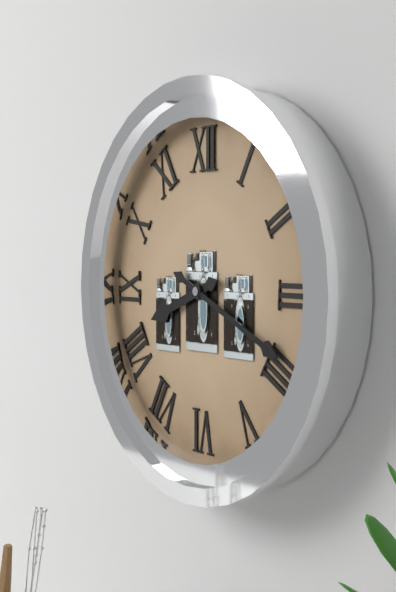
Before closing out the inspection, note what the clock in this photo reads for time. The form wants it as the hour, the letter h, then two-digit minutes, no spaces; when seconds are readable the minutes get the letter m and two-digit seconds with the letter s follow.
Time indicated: 8h19
